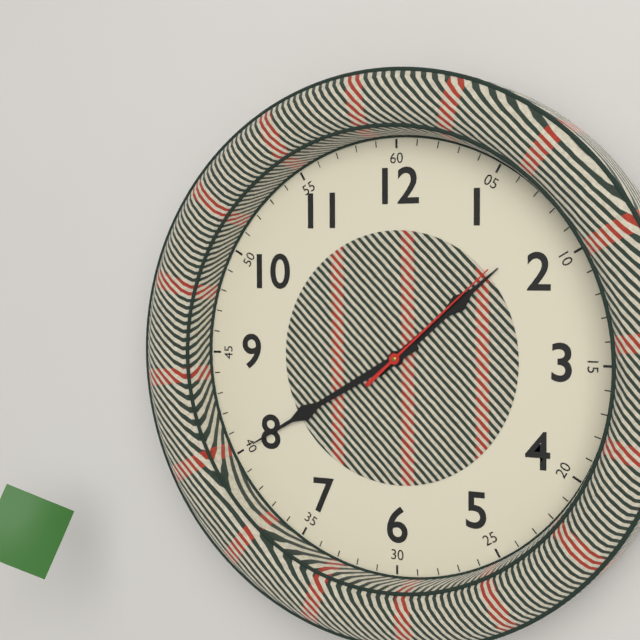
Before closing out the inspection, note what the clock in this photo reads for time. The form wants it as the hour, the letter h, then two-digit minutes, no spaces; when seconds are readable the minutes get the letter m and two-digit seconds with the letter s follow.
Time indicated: 1h40m08s
